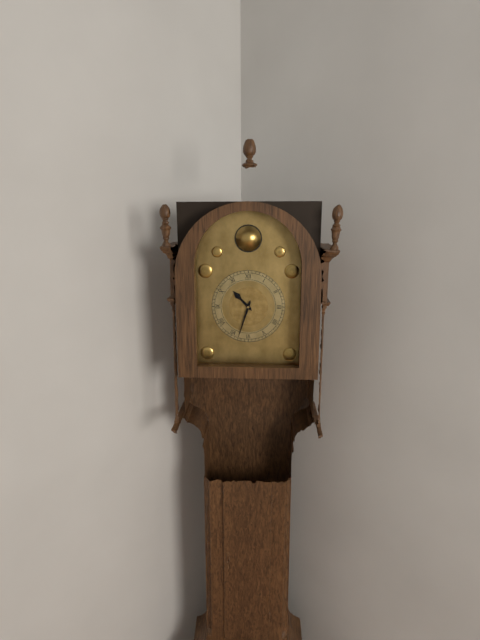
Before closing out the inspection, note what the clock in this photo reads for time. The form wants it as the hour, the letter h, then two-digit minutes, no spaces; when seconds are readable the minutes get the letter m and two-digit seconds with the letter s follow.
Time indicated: 10h33
